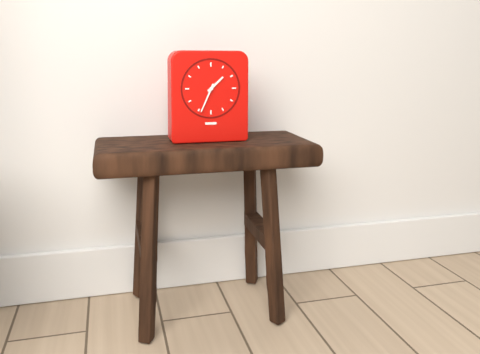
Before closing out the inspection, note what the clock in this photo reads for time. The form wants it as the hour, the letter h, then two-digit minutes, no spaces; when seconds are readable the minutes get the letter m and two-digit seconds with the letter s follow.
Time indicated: 1h34
